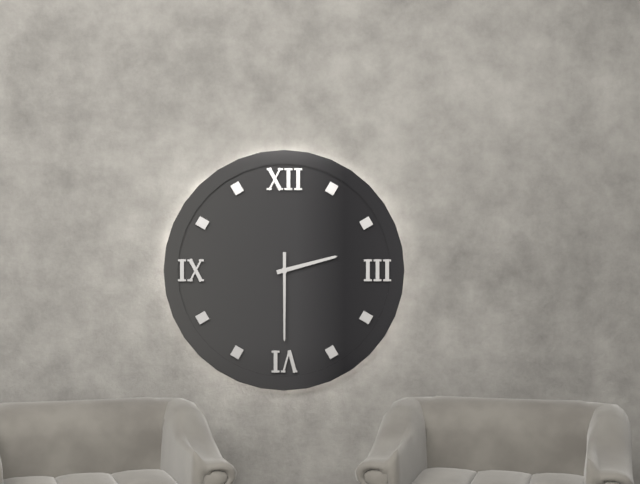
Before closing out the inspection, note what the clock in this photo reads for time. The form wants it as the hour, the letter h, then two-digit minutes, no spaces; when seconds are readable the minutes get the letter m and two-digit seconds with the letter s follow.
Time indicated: 2h30
